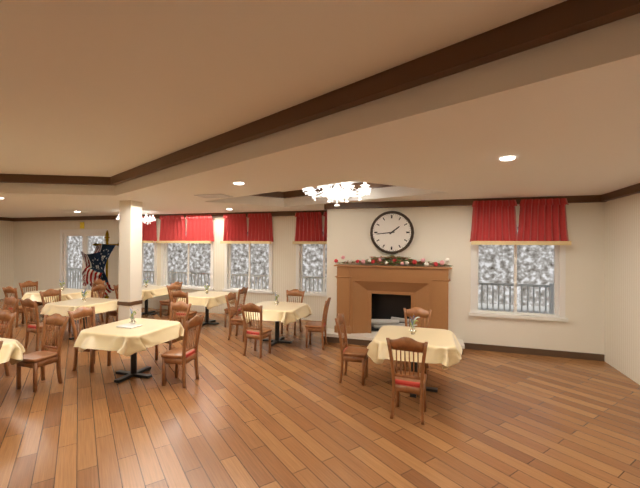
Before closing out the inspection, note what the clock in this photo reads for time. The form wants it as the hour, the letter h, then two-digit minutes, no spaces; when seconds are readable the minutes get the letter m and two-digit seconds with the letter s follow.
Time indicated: 1h44
